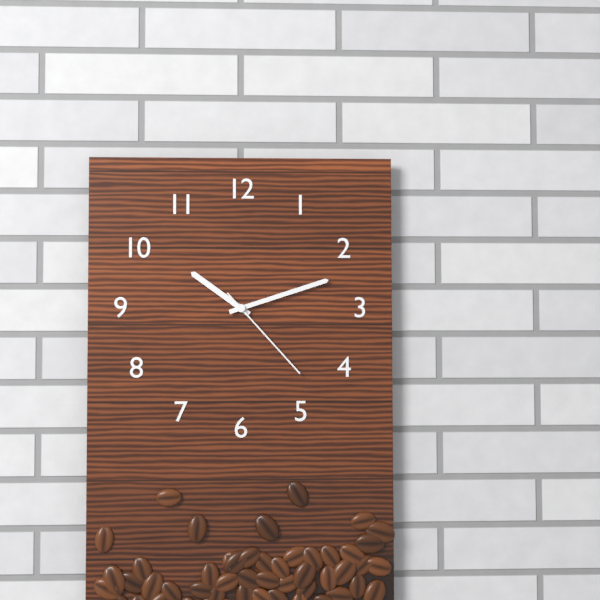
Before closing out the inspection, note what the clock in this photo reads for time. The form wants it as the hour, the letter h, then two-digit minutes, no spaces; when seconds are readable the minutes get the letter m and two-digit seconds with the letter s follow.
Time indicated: 10h12m23s
